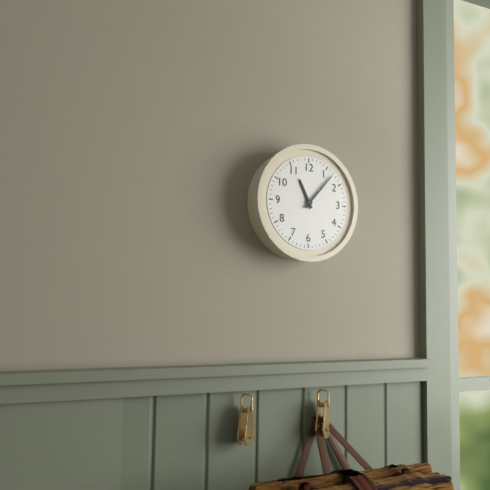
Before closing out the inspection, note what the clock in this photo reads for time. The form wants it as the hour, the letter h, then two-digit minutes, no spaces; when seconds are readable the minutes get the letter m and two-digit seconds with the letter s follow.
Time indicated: 11h07
